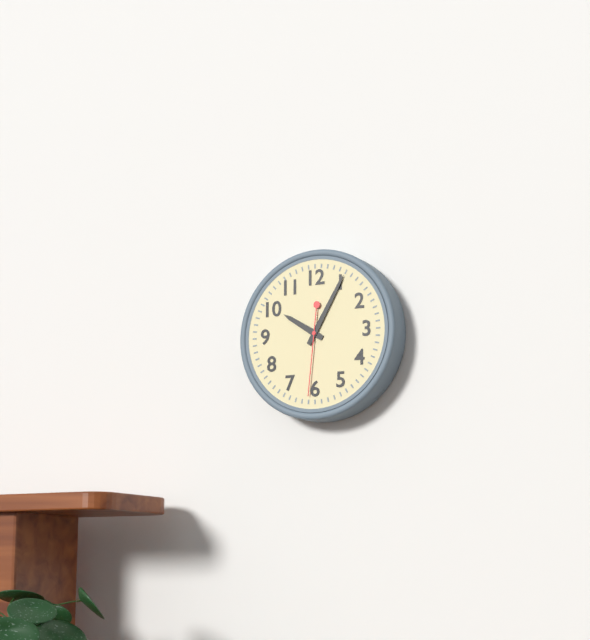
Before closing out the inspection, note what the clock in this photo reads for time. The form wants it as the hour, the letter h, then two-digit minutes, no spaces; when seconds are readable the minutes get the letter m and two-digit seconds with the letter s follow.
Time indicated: 10h05m31s
